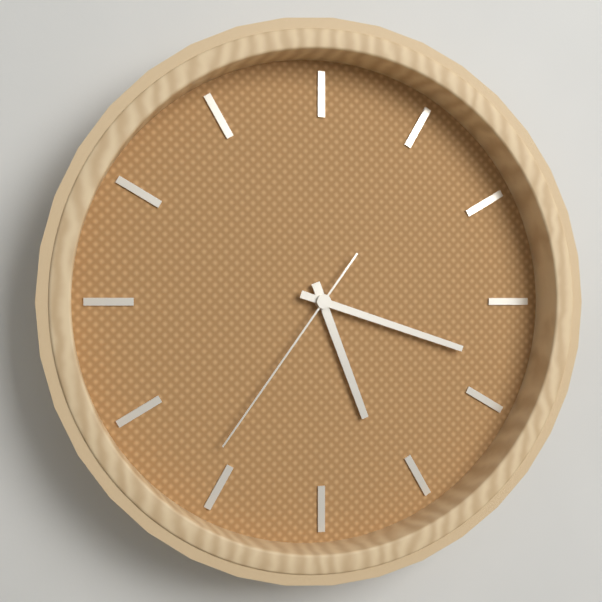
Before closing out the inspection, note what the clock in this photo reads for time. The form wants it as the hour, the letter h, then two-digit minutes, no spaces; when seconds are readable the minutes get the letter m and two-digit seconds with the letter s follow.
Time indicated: 5h18m36s
